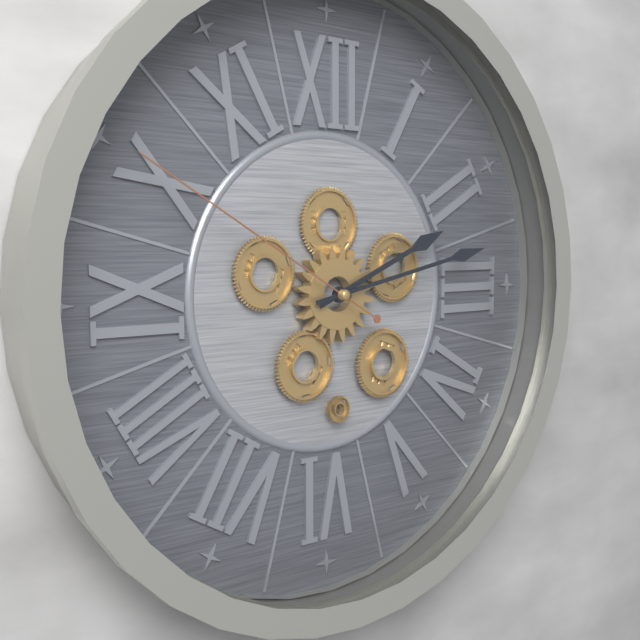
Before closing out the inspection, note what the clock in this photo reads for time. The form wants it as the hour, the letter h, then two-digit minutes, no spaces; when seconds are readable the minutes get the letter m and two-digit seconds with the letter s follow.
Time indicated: 2h13m50s
